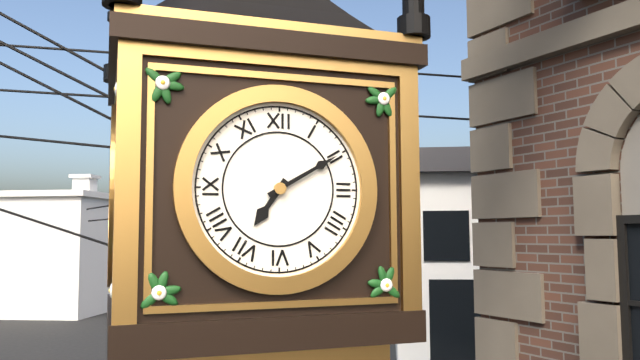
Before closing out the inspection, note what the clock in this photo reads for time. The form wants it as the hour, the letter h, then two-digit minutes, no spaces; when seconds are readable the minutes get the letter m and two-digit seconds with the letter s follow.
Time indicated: 7h10
